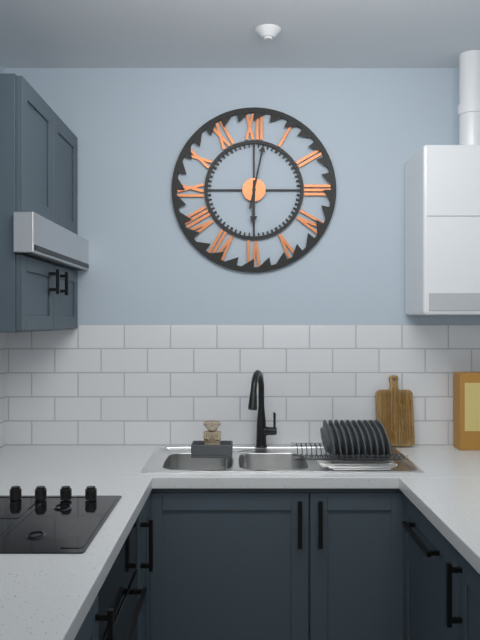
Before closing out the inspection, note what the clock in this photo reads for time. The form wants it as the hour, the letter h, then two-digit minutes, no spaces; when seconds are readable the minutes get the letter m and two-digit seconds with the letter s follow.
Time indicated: 6h02
